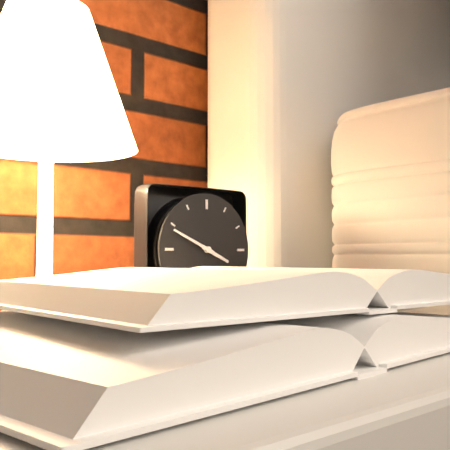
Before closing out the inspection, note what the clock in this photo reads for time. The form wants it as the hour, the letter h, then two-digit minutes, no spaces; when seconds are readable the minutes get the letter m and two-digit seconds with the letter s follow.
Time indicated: 3h49
